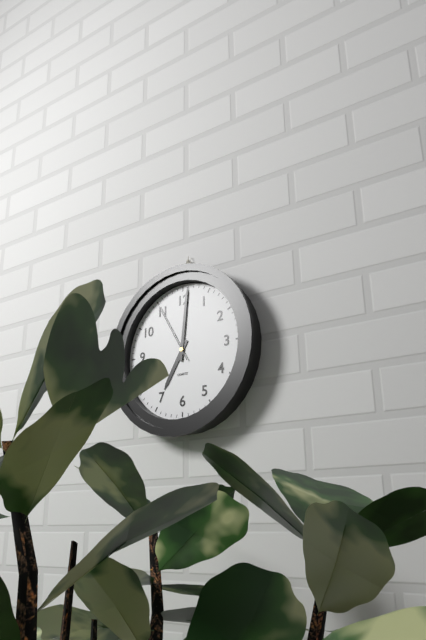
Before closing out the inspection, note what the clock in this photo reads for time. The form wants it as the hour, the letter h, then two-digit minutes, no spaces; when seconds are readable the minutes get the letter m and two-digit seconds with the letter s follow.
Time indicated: 7h01m55s
